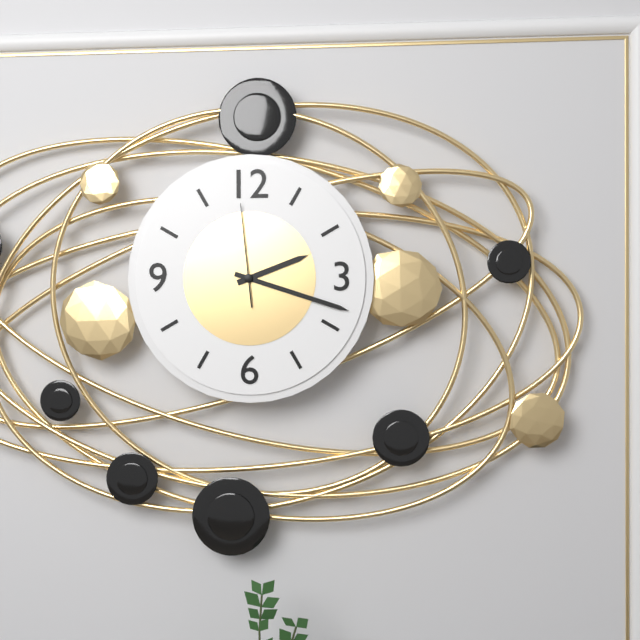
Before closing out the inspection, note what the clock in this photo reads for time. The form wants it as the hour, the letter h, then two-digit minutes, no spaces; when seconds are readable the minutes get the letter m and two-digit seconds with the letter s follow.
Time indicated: 2h18m59s
